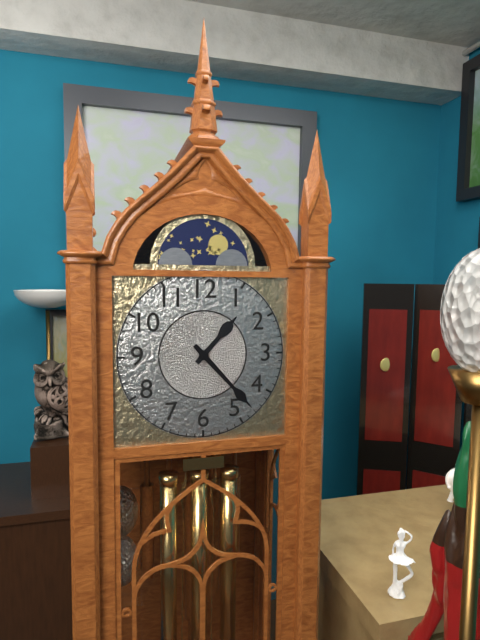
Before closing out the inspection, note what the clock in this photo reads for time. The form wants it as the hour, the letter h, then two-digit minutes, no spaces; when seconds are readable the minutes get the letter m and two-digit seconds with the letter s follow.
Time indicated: 1h23
